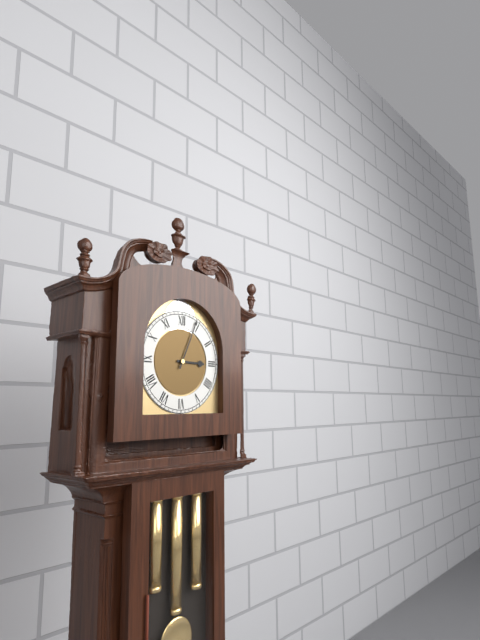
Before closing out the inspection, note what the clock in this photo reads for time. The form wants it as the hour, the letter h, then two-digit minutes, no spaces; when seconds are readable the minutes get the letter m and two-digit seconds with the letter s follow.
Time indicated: 3h04
